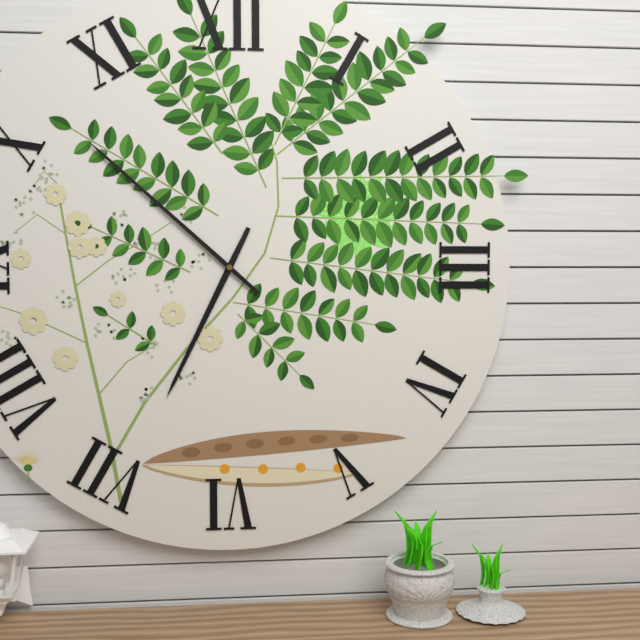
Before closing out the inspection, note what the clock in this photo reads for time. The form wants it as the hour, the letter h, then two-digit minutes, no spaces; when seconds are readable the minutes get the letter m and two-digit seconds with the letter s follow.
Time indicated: 6h52
